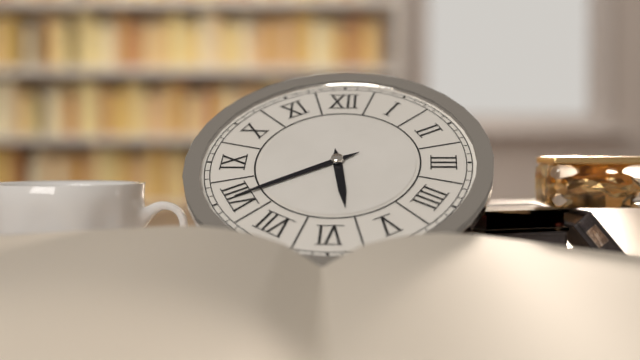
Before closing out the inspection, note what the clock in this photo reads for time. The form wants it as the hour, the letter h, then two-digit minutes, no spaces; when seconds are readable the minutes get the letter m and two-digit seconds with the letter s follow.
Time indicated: 5h40
